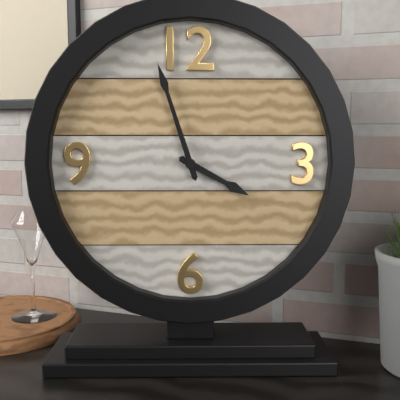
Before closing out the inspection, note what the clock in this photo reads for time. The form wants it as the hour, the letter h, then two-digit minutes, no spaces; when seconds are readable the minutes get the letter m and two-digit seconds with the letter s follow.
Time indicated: 3h57
